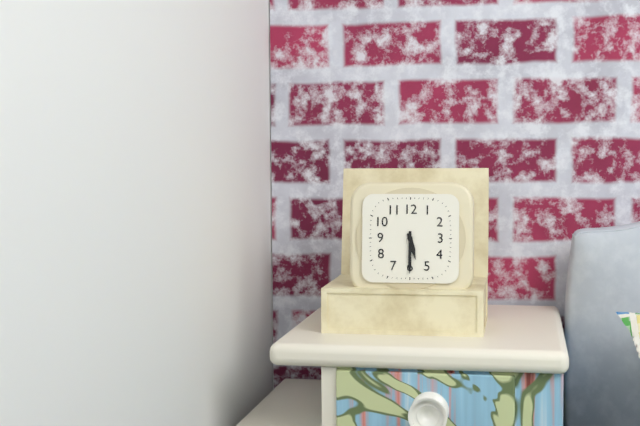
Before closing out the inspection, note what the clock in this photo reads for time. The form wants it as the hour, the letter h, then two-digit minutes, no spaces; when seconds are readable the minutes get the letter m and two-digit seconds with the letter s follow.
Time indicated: 5h30
